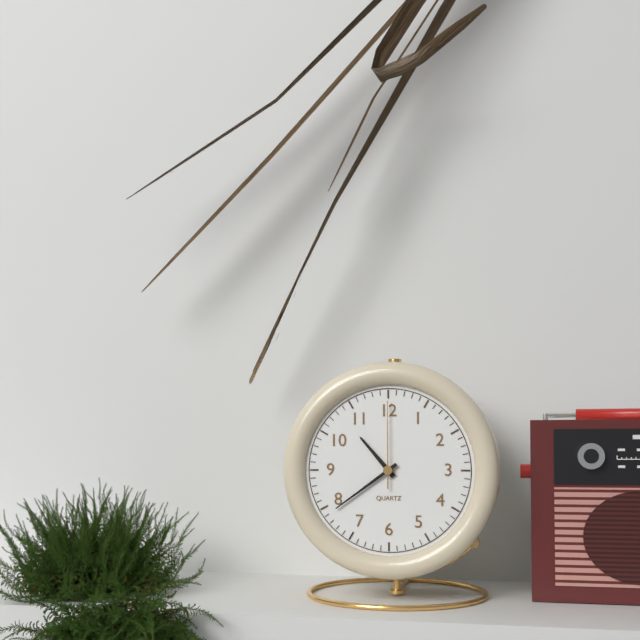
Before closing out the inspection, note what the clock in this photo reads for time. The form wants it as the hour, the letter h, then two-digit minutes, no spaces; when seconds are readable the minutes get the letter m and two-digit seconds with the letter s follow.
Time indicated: 10h39m00s
